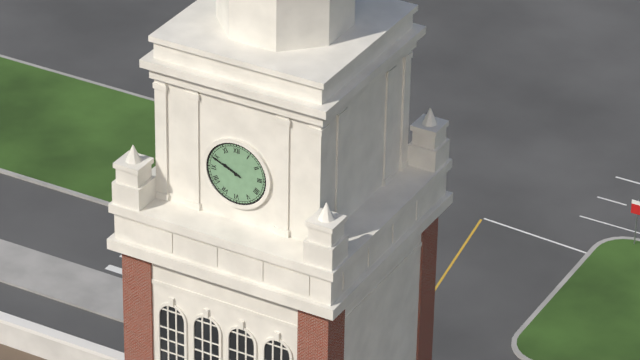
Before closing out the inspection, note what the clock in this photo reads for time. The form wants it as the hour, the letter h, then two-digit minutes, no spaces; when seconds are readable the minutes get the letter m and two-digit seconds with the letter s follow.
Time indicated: 9h49
